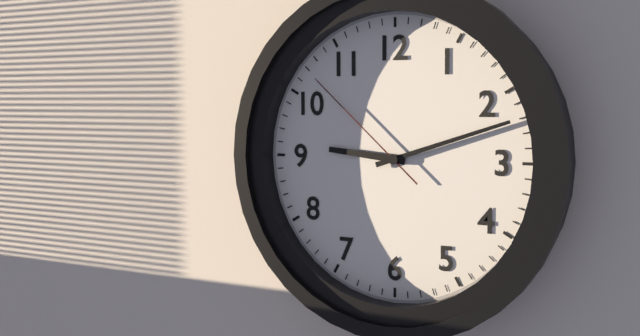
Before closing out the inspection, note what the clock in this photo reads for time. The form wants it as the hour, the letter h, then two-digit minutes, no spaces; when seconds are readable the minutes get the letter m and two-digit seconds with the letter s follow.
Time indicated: 9h12m52s
